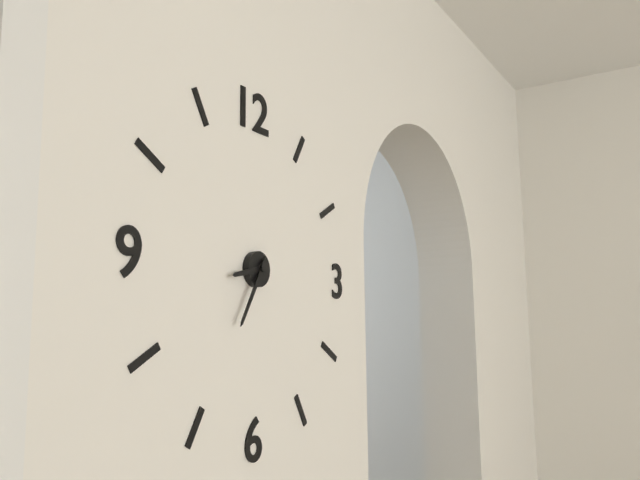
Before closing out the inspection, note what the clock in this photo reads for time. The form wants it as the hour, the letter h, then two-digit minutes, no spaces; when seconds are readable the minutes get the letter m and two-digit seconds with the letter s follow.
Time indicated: 8h35
